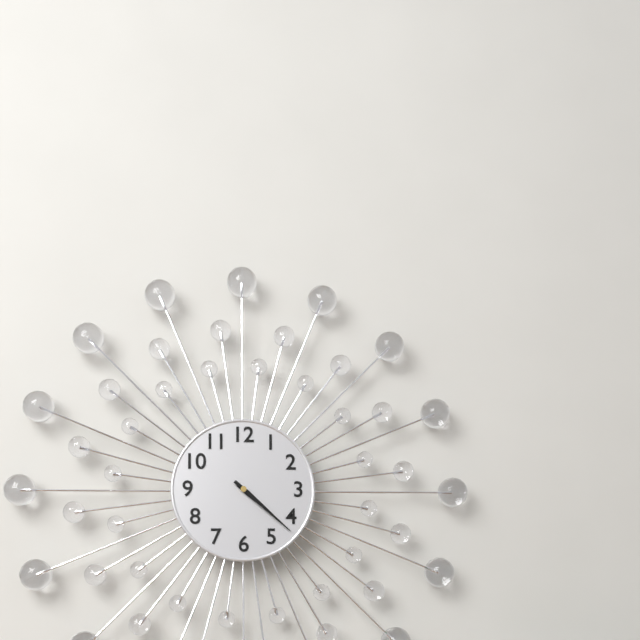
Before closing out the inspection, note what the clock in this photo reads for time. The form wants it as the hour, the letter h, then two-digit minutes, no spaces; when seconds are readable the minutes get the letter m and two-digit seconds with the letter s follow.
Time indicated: 4h22
